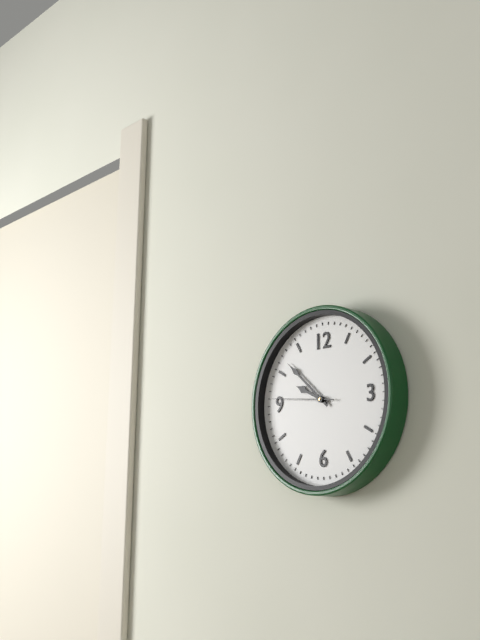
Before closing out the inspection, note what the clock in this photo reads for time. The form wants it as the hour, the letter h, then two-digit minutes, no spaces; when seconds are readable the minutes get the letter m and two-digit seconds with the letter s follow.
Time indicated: 9h52m46s
